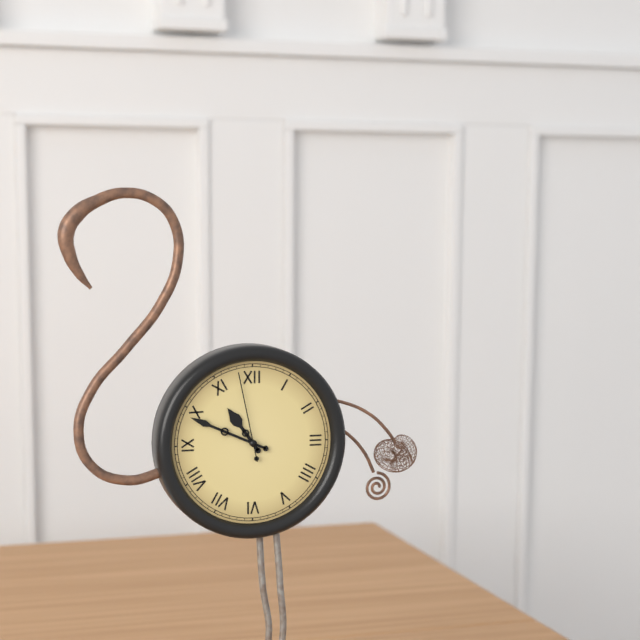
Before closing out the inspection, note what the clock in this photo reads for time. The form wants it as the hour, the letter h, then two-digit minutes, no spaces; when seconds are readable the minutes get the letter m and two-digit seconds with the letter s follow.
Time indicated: 10h49m58s
